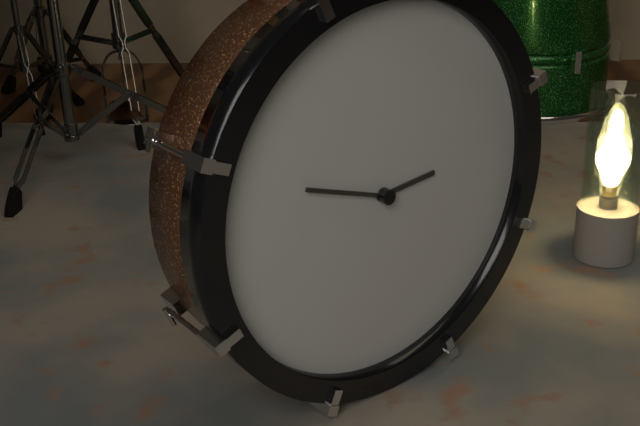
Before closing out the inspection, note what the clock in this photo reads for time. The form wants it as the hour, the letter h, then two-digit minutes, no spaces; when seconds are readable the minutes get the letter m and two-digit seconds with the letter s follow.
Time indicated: 2h48
